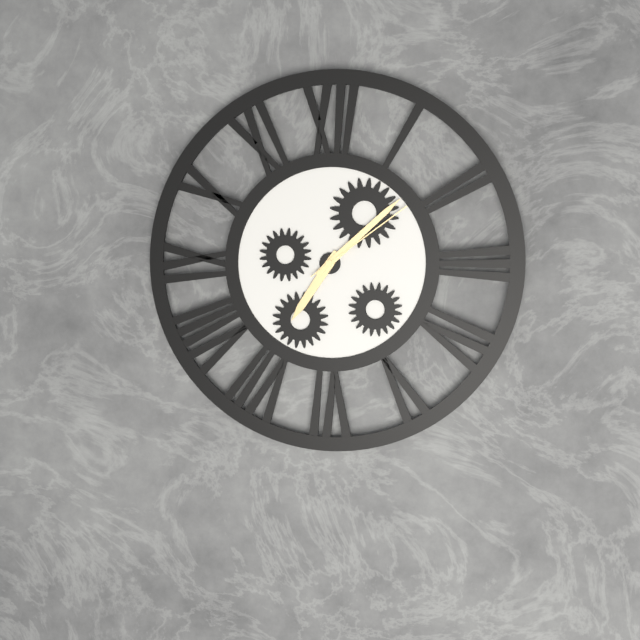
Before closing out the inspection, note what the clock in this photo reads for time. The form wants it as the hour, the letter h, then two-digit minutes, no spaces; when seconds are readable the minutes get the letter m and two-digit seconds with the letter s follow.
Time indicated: 7h08m09s
